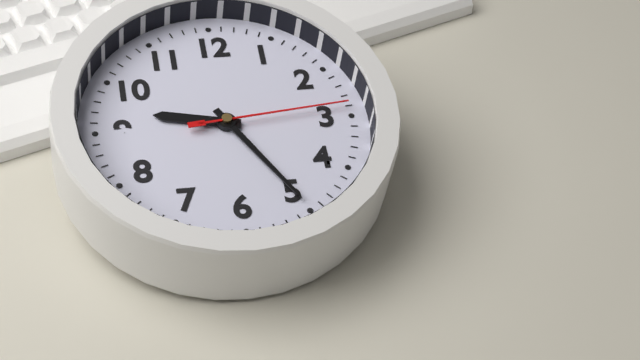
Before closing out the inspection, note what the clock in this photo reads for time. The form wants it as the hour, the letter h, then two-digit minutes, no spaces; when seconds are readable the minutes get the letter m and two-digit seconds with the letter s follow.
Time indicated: 9h25m14s
